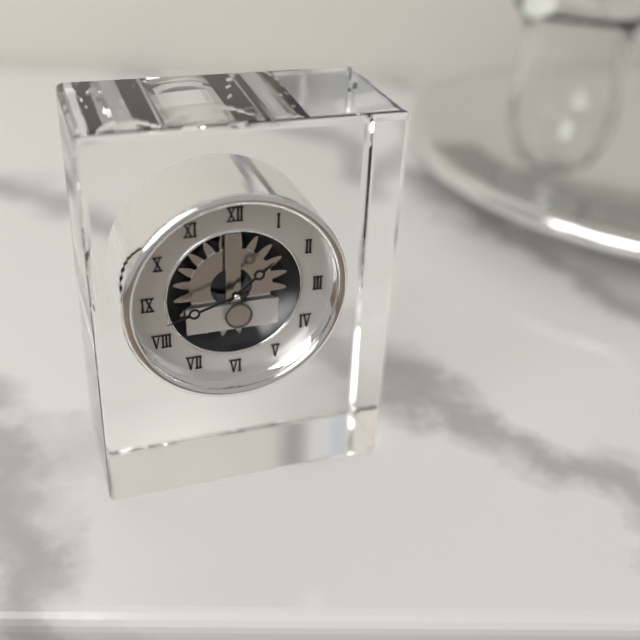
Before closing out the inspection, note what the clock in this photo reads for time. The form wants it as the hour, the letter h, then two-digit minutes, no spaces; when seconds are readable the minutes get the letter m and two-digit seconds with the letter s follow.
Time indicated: 1h42
